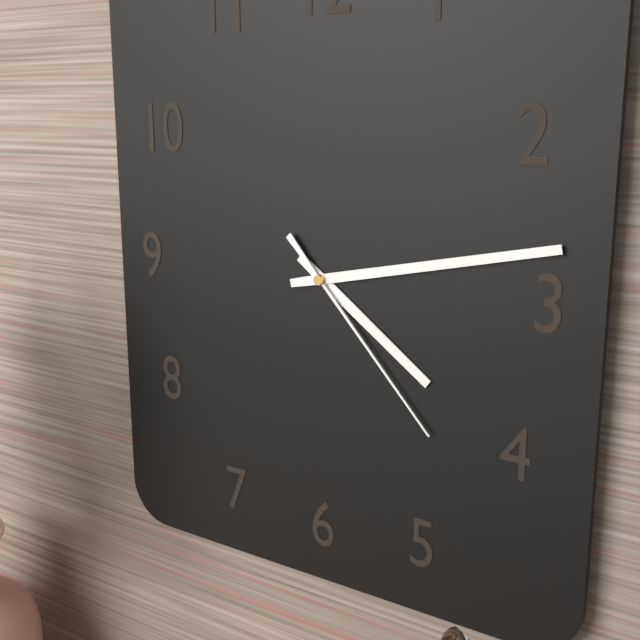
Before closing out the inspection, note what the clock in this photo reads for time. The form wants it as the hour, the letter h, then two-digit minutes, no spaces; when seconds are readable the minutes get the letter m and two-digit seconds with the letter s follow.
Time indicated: 4h13m23s
